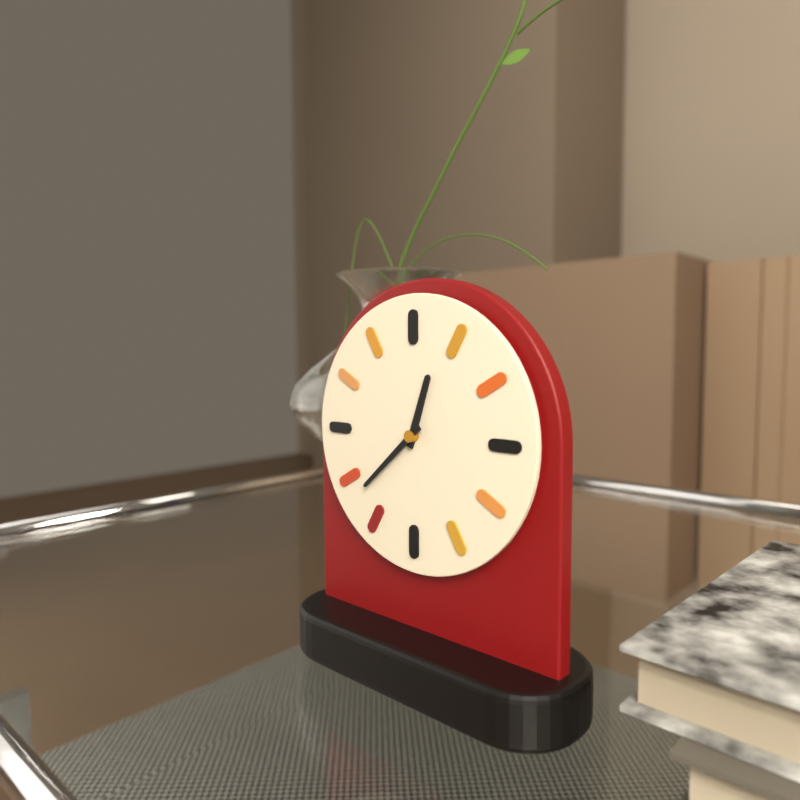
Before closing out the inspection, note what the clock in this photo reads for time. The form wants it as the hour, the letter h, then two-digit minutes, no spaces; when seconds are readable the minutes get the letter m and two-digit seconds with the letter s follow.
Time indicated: 12h38
